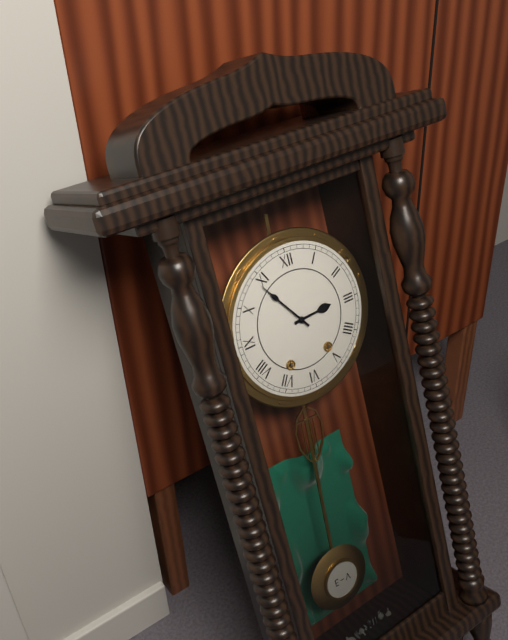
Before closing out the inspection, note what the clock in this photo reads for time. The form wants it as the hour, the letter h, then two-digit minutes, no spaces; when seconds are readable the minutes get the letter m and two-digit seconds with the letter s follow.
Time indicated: 2h54
